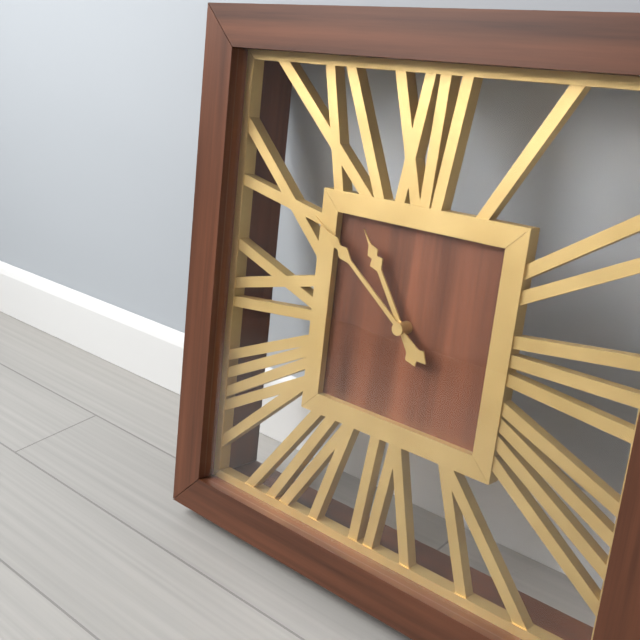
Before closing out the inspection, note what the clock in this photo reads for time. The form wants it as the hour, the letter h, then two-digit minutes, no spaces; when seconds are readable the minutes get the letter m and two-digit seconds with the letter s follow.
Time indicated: 10h51
